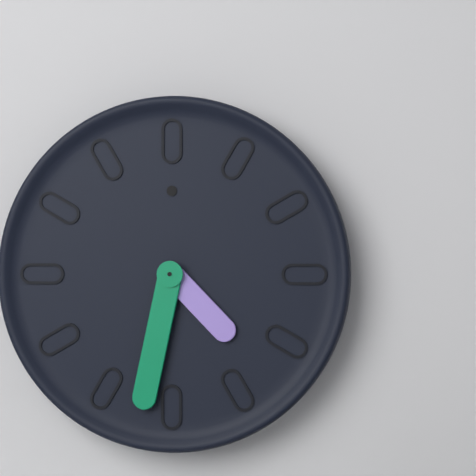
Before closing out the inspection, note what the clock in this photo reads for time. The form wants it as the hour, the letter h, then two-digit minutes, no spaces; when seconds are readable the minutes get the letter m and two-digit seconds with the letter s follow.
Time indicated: 4h32
